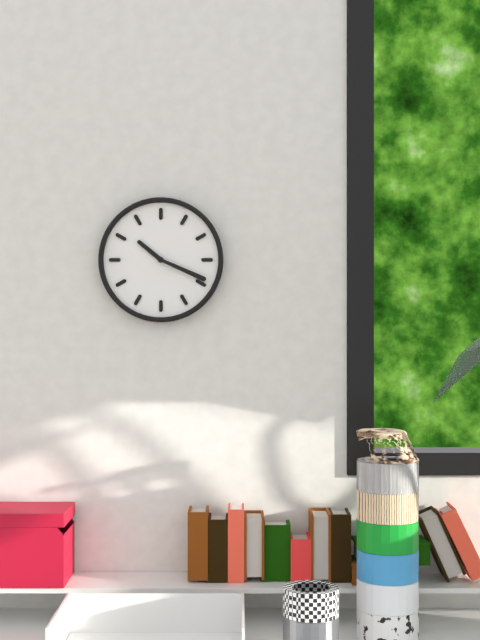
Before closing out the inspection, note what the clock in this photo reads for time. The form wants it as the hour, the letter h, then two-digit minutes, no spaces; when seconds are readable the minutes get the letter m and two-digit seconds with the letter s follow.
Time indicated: 10h19
